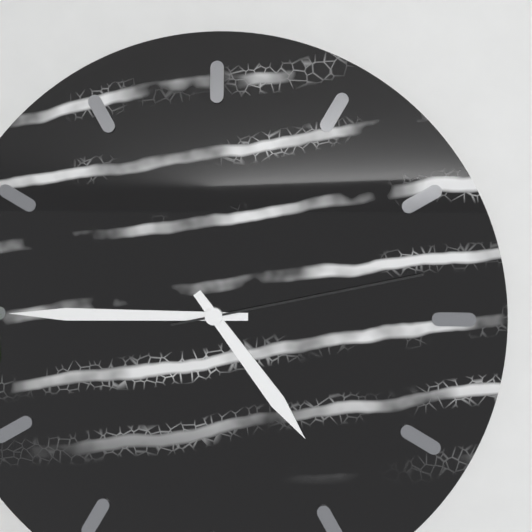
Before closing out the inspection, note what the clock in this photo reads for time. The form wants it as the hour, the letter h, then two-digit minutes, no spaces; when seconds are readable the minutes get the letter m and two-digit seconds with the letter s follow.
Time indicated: 4h45m13s
